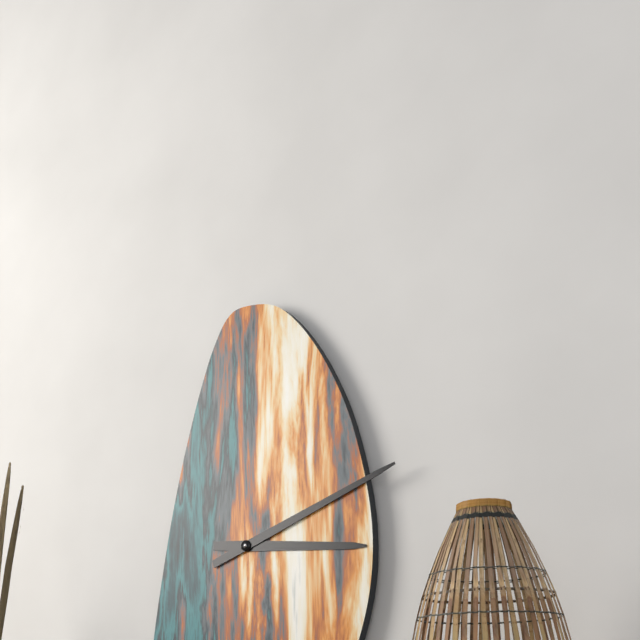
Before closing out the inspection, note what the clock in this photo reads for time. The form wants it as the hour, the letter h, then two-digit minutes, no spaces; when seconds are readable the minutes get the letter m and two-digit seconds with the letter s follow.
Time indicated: 3h12
